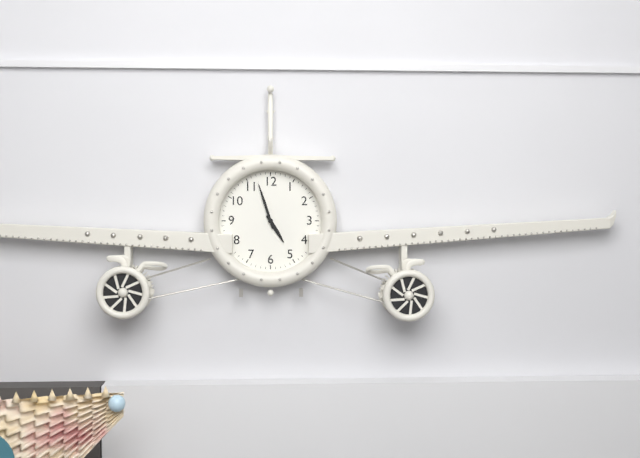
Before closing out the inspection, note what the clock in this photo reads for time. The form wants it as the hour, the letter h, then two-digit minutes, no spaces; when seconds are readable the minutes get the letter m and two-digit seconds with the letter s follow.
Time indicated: 4h57
